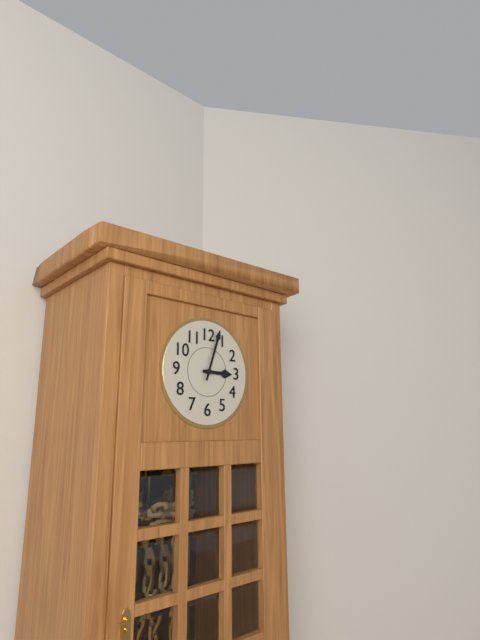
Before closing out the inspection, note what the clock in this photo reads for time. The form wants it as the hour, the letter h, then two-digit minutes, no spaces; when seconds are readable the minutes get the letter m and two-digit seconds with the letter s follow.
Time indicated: 3h03
